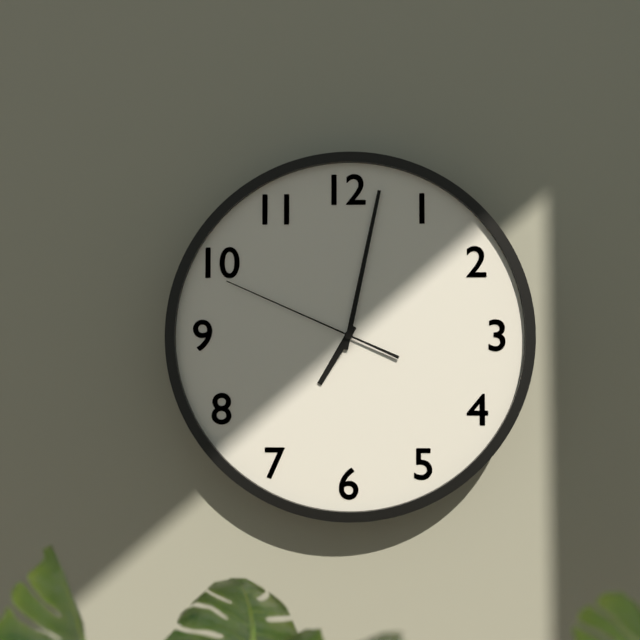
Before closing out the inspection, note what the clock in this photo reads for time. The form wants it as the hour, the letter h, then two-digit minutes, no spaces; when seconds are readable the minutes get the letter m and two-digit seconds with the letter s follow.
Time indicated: 7h02m49s
